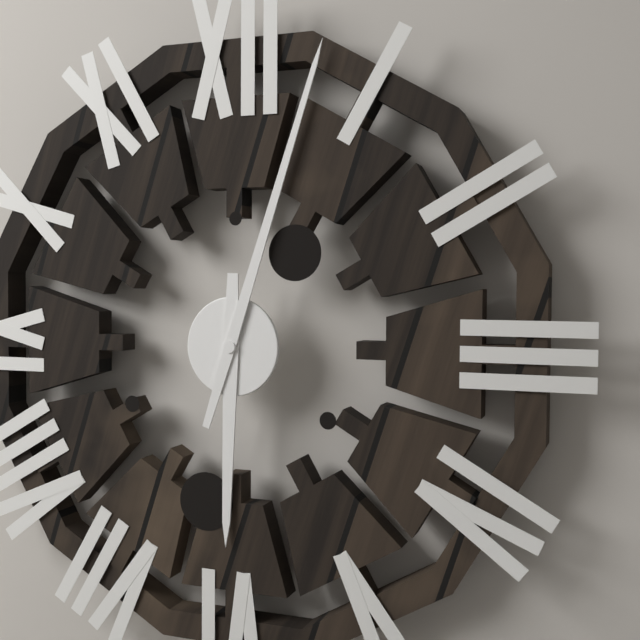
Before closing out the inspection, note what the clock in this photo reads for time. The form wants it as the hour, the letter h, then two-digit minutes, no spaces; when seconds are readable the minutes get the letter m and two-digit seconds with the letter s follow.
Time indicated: 6h03
